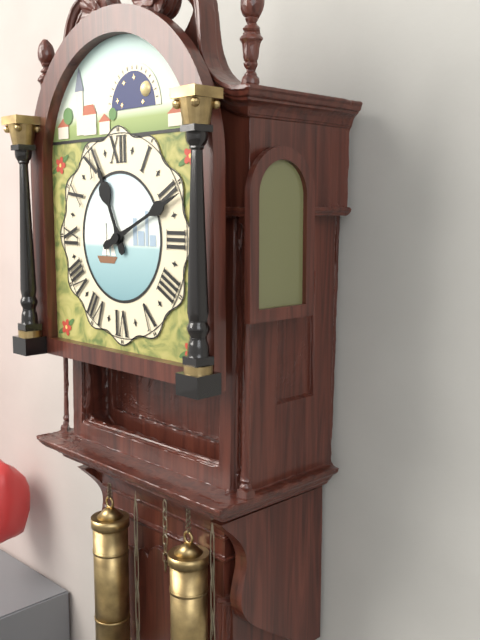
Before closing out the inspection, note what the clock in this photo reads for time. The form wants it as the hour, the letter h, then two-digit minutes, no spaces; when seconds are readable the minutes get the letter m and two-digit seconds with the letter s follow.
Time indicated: 11h11
